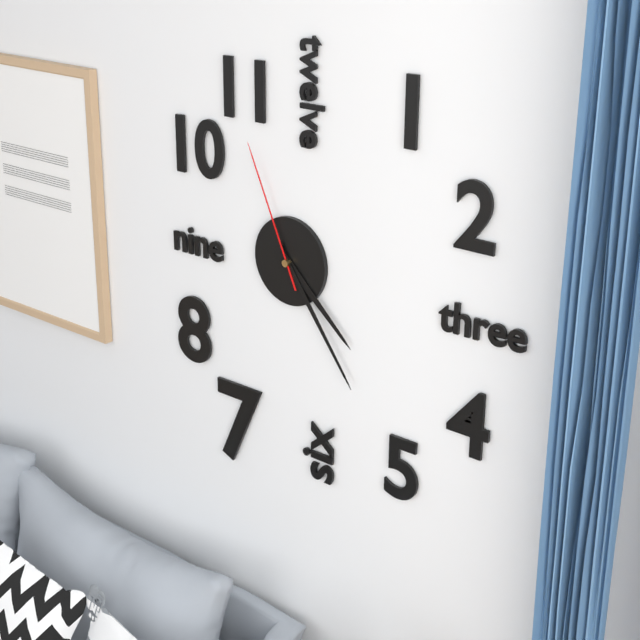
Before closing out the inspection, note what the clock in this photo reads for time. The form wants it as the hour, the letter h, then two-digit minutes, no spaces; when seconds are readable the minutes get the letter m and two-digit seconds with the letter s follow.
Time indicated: 4h24m56s
